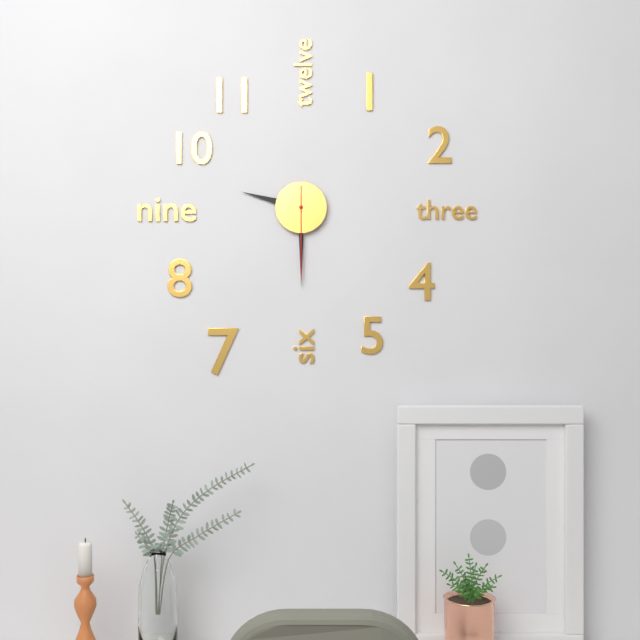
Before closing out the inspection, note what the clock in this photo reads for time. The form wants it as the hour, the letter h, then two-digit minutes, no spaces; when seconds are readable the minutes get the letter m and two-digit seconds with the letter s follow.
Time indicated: 9h30m30s
